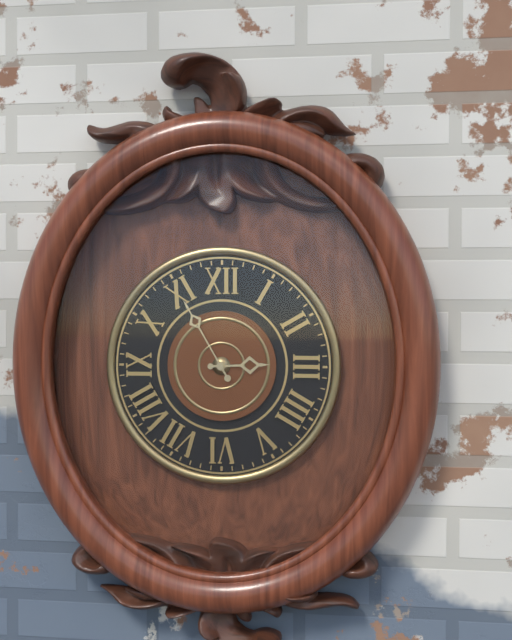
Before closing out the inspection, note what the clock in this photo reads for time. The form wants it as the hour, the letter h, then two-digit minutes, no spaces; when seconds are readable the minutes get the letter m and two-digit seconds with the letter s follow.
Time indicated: 2h55
